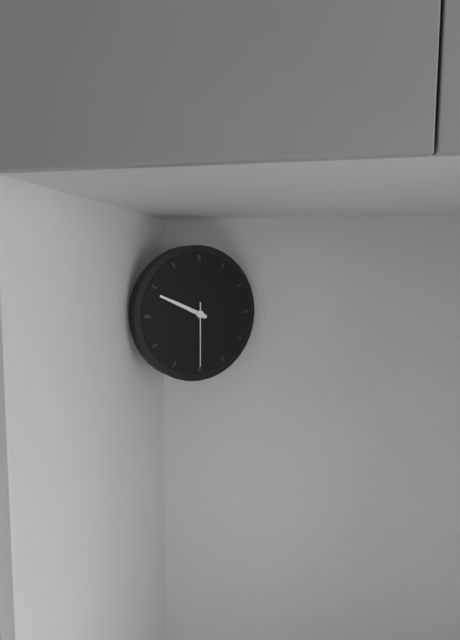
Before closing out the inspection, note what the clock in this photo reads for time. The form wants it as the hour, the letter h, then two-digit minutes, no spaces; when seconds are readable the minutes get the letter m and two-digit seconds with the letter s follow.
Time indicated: 9h49m30s
